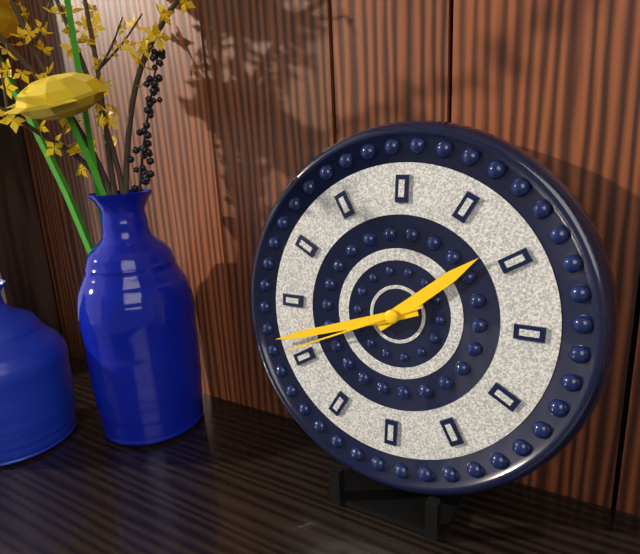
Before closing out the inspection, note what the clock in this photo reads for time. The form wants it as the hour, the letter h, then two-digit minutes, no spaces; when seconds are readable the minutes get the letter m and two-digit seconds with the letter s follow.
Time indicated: 1h42m41s
